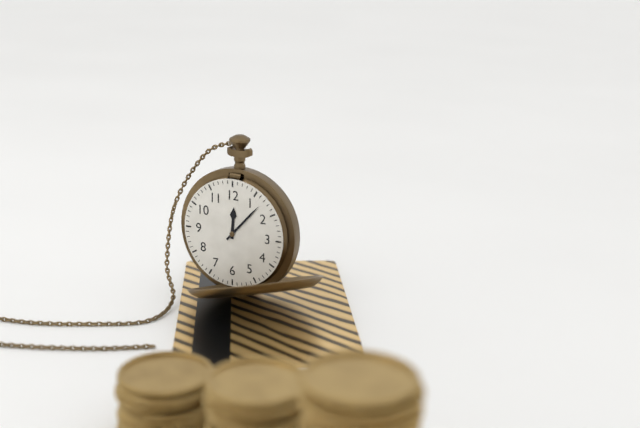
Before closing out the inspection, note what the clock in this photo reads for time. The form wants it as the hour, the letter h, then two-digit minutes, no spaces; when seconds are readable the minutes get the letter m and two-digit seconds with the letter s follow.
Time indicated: 12h07
